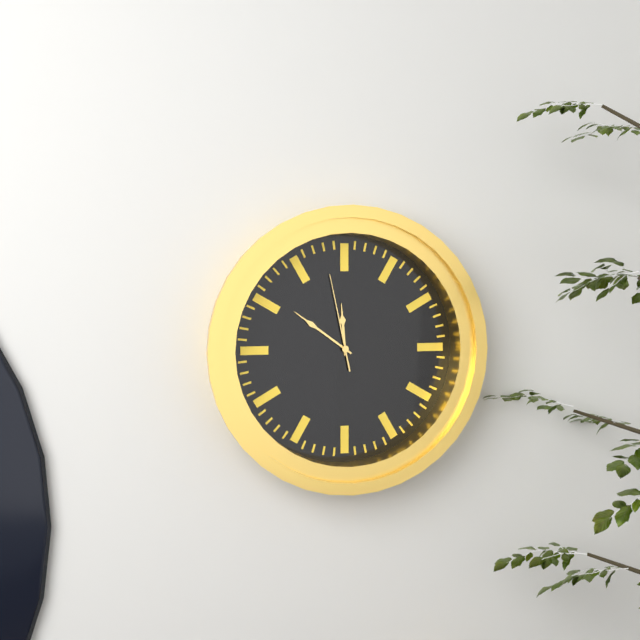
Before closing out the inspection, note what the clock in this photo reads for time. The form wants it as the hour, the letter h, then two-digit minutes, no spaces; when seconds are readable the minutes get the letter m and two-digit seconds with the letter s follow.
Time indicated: 11h51m58s
